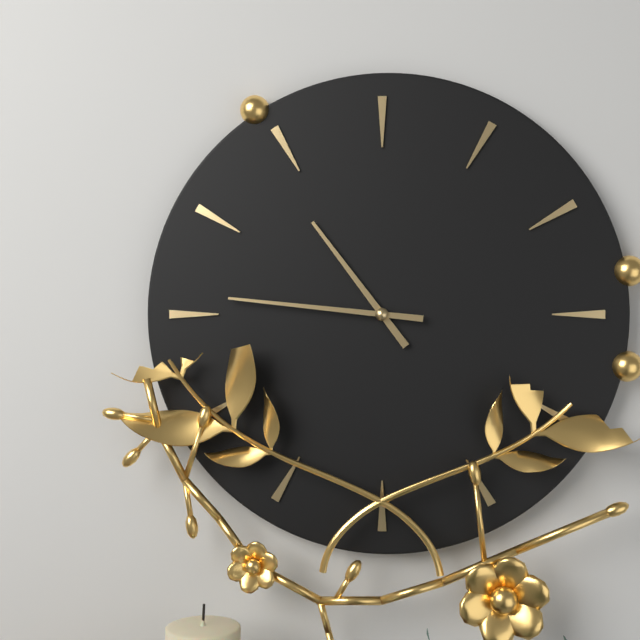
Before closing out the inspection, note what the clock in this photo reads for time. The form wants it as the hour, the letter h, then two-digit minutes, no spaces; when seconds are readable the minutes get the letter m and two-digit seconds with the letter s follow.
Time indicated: 10h46
